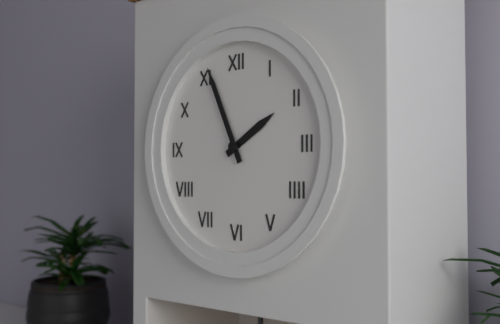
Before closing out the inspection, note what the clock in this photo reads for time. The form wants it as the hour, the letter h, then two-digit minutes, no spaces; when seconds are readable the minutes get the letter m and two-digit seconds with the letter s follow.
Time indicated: 1h56
